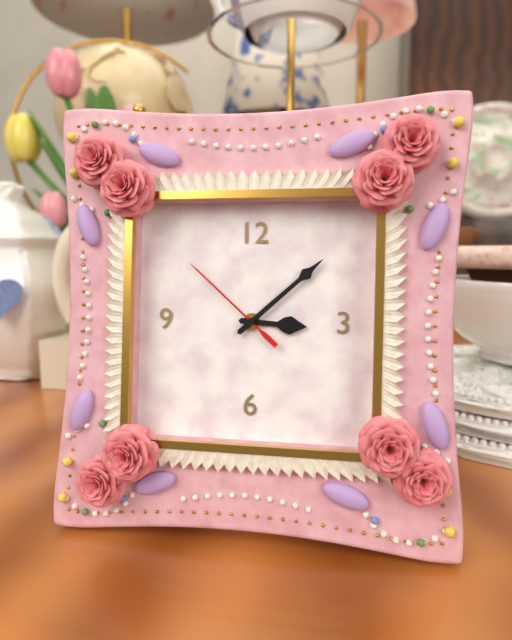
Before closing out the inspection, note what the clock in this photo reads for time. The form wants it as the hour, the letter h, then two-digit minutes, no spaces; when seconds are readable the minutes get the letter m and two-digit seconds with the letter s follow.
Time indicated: 3h08m52s
